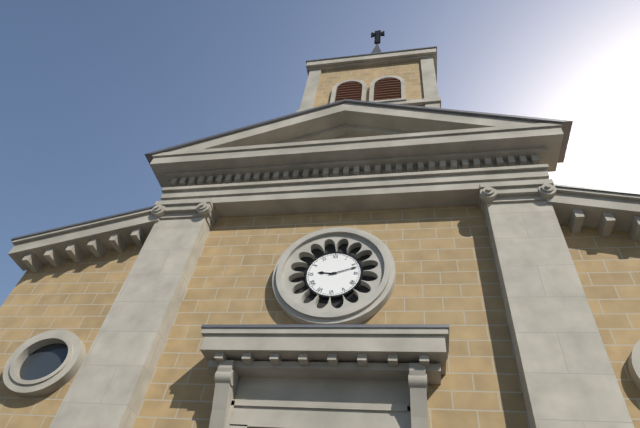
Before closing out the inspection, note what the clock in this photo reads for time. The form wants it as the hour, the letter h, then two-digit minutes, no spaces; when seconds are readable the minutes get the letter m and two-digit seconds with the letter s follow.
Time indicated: 9h12
